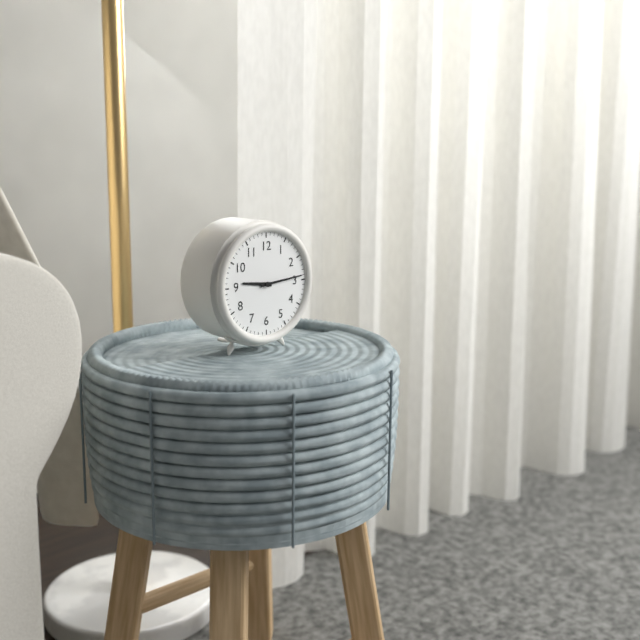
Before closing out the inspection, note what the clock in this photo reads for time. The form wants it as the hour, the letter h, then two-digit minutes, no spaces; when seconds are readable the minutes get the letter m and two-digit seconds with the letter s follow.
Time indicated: 9h14
